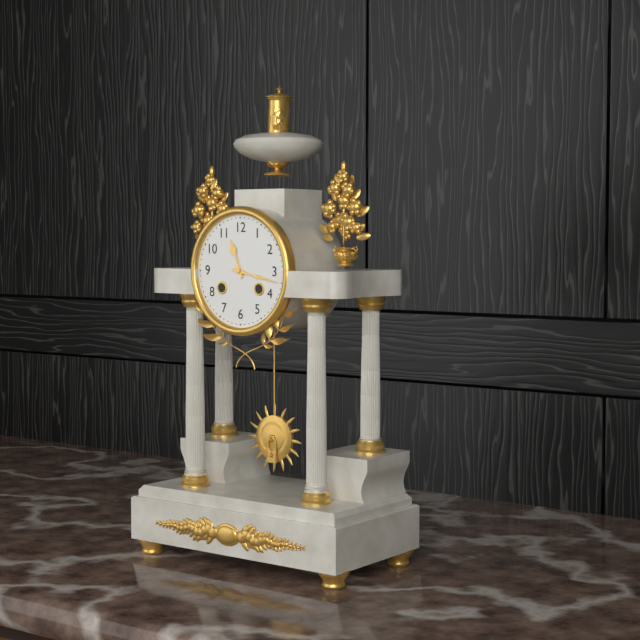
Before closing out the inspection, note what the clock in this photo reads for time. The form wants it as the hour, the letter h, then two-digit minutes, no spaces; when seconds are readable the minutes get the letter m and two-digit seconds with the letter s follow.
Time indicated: 11h17
